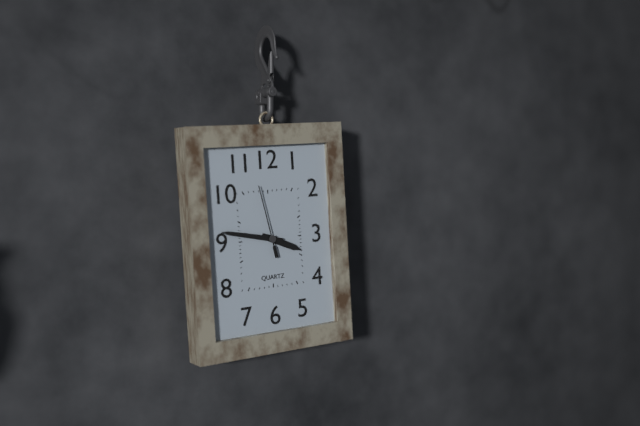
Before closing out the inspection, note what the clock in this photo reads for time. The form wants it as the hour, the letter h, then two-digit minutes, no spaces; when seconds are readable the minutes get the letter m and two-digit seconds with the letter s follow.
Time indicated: 3h47m58s
